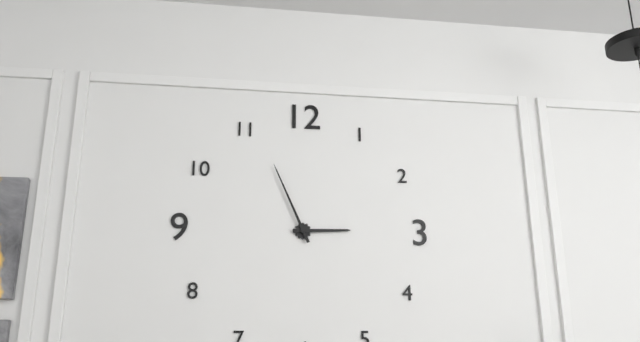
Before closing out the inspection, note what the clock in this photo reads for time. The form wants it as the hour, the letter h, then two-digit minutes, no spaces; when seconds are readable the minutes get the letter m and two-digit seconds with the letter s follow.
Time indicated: 2h56
